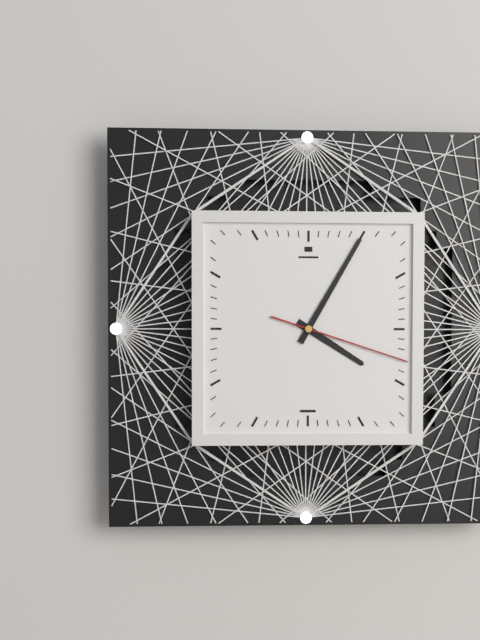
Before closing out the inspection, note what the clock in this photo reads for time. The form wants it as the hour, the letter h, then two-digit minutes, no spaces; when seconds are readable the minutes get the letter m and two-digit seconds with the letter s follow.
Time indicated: 4h05m18s
